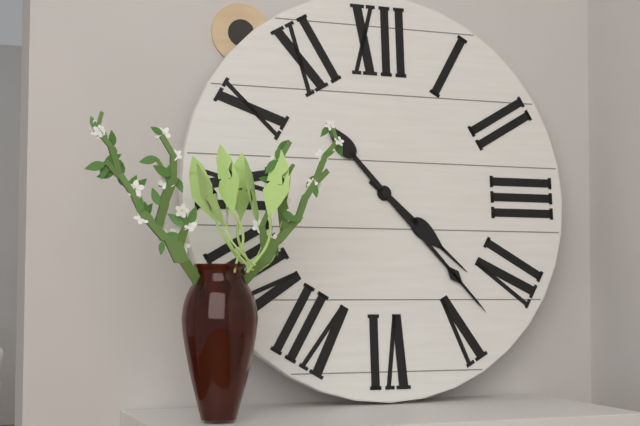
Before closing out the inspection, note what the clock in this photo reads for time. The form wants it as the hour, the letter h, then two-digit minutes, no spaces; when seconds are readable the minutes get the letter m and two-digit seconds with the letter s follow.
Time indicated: 4h23
